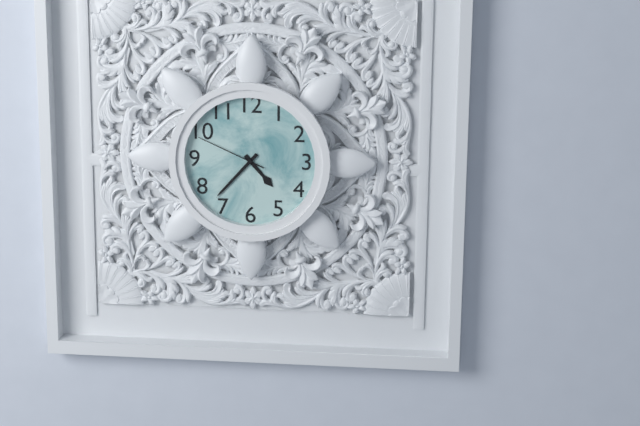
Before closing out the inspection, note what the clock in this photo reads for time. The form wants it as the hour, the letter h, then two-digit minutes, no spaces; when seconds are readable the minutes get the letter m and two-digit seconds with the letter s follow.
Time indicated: 4h37m49s
